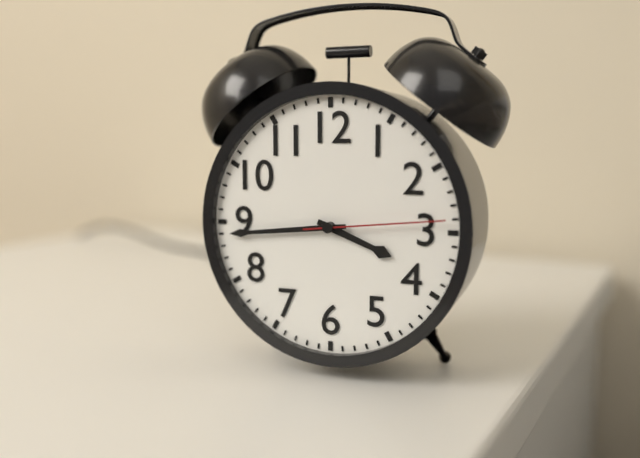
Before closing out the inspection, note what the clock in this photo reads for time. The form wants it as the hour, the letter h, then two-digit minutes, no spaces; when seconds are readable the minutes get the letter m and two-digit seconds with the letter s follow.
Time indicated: 3h44m14s
